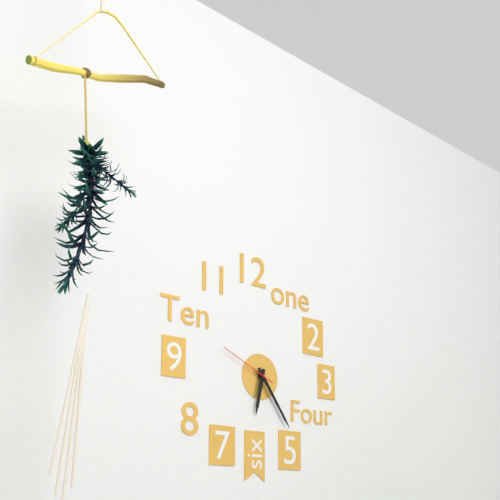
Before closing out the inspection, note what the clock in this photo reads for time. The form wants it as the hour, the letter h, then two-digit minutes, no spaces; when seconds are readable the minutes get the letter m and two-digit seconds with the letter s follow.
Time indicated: 6h24m49s
